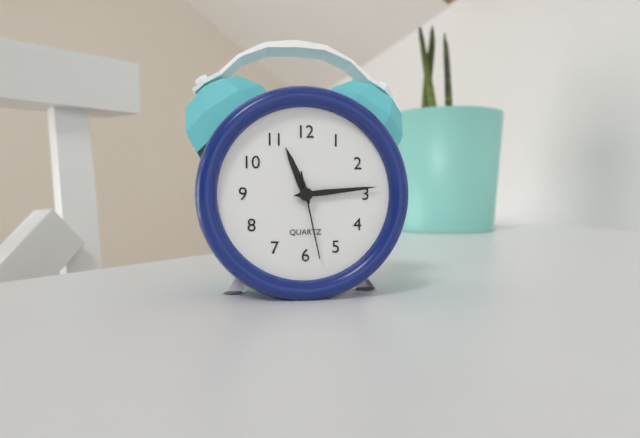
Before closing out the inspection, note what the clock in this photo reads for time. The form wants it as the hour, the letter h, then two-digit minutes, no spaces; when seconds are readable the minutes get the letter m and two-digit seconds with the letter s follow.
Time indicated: 11h14m28s
